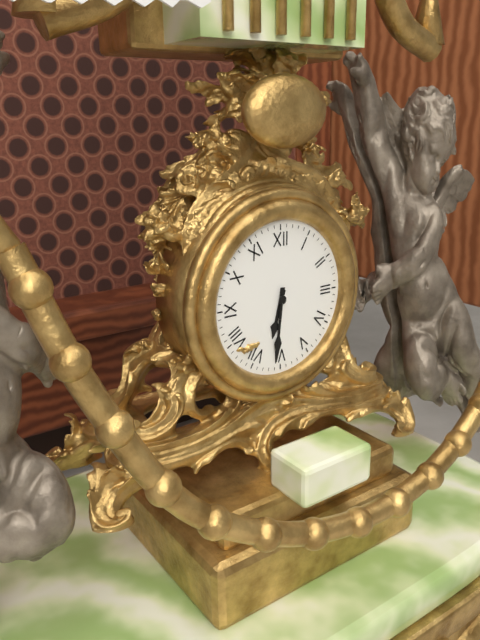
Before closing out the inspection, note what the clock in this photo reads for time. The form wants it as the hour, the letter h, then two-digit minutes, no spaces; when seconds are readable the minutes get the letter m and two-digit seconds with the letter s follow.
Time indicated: 6h31
